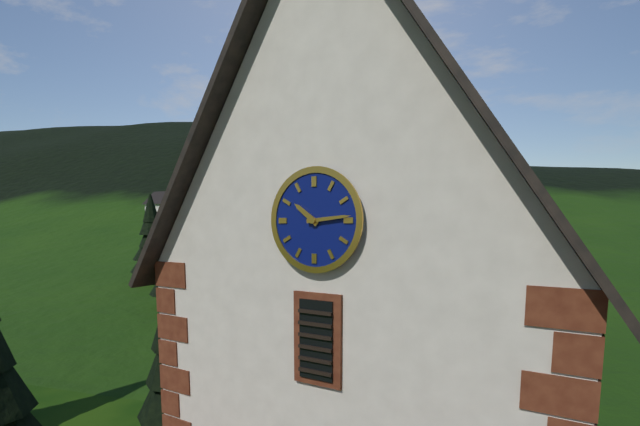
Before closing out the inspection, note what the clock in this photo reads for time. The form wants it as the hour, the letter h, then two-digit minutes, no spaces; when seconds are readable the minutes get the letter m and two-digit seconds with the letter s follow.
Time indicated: 10h14
